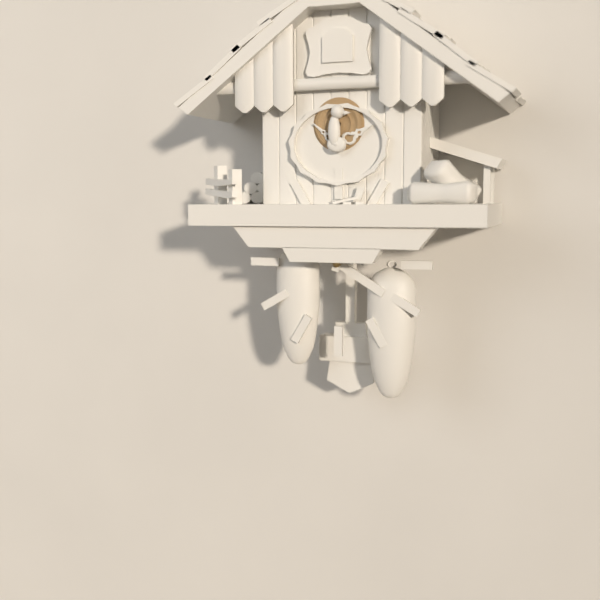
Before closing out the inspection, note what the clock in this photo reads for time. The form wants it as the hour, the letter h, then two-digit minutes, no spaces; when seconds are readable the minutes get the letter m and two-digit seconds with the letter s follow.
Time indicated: 4h03
